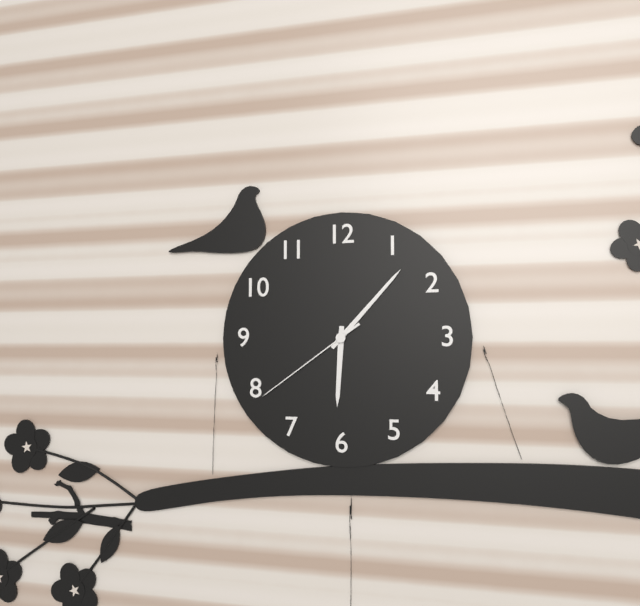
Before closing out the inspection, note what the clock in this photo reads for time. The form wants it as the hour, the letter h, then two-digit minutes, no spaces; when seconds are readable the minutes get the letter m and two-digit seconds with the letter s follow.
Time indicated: 6h07m39s
